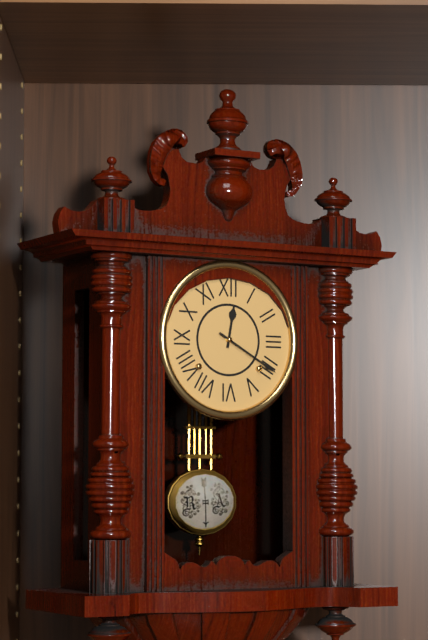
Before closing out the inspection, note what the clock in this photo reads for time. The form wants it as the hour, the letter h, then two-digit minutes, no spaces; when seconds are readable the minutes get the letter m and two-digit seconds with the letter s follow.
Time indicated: 12h20
